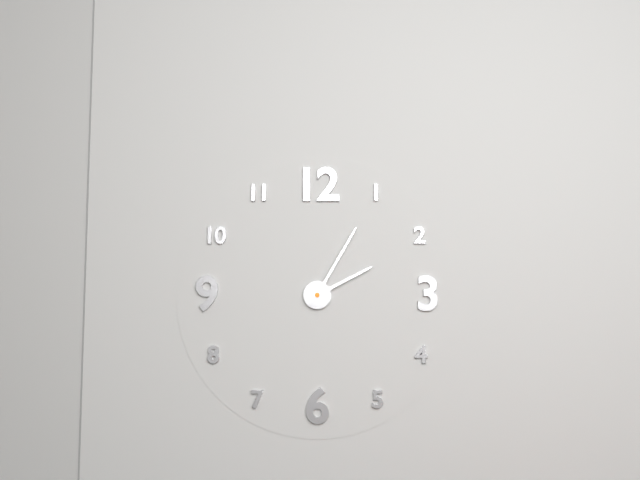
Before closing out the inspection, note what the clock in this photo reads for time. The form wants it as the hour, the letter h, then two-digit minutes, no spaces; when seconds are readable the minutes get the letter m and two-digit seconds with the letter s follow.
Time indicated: 2h05
